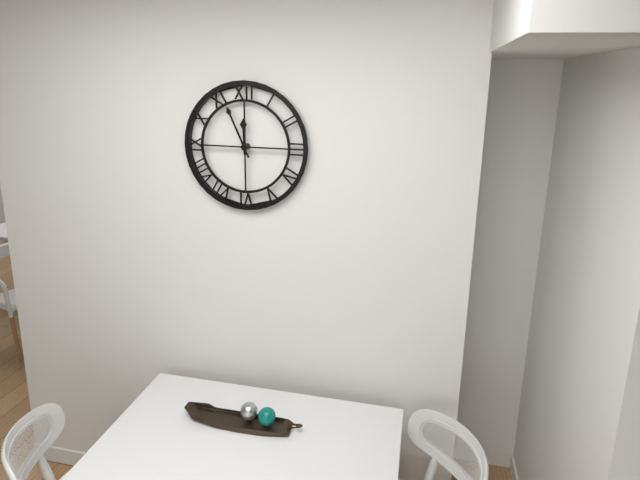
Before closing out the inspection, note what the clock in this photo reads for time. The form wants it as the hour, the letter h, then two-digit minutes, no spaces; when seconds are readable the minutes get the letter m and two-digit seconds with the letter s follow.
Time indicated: 11h56
